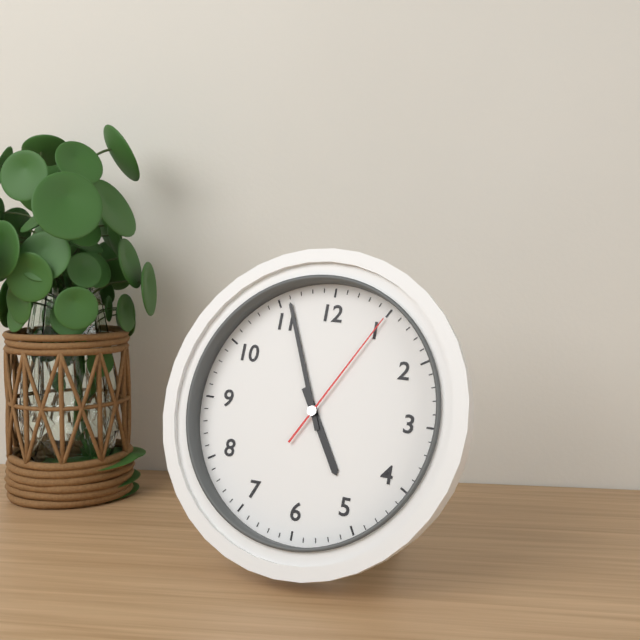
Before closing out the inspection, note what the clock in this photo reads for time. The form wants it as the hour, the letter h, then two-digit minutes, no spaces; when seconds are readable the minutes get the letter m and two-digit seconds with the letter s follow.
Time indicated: 4h56m05s
